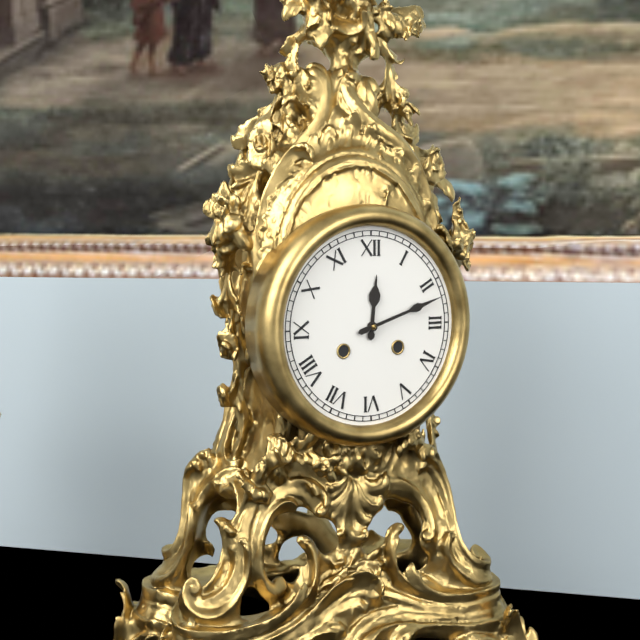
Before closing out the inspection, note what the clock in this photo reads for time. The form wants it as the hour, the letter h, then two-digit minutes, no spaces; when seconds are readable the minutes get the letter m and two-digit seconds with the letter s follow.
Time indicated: 12h12
